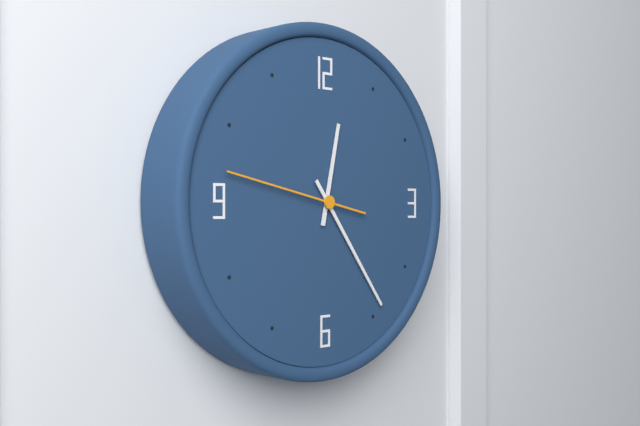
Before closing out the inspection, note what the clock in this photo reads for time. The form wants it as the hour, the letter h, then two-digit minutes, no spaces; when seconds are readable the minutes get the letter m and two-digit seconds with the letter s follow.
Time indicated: 12h24m47s
